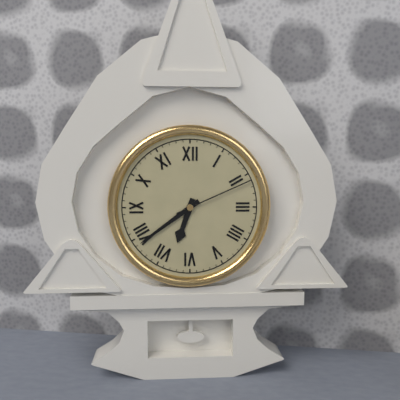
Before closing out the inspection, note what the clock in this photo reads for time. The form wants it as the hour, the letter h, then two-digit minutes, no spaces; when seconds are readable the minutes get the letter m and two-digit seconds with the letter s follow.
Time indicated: 6h39m11s
